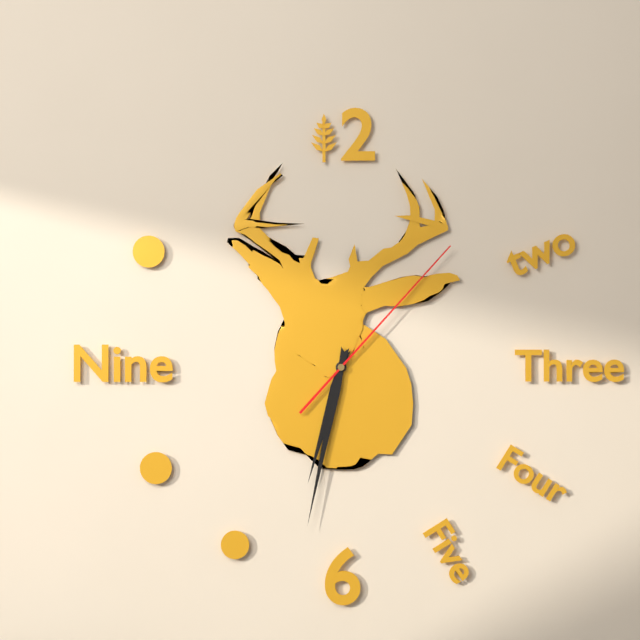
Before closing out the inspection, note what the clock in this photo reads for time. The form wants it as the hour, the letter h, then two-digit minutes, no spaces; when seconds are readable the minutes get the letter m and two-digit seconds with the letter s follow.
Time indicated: 6h32m07s
